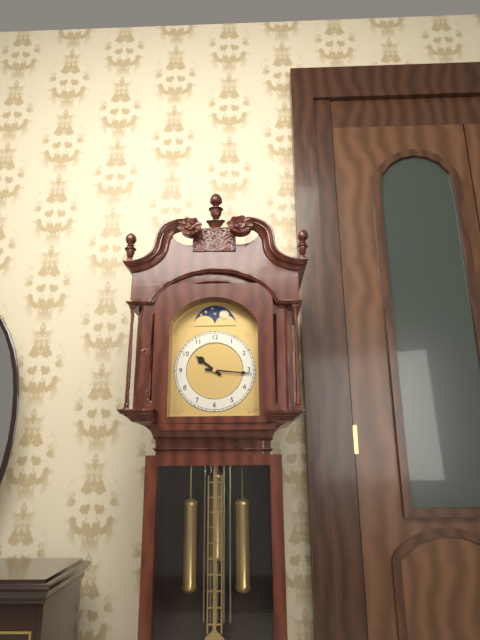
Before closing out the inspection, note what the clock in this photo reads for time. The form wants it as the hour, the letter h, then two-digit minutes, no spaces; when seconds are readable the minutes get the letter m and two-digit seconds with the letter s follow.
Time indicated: 10h16
